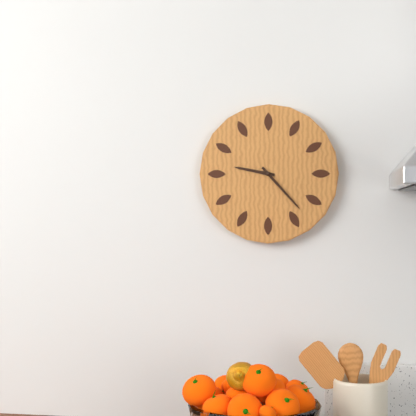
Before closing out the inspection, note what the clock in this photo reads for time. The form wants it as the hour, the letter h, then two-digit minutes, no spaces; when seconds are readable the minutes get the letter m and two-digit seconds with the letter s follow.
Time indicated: 9h23
